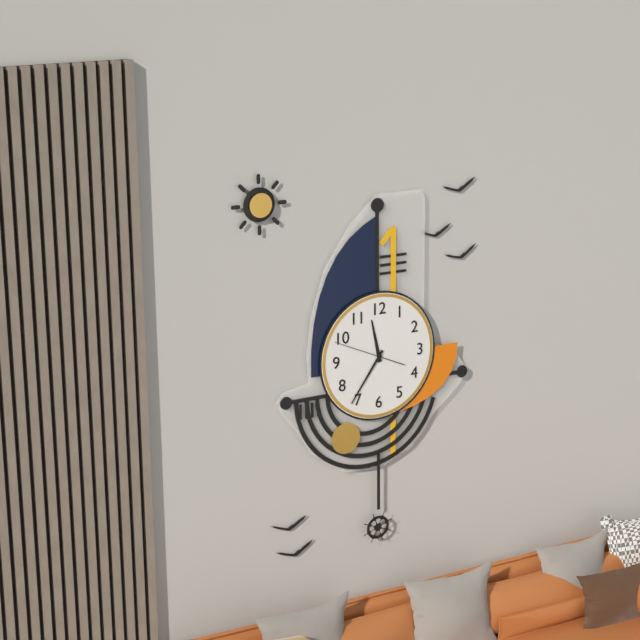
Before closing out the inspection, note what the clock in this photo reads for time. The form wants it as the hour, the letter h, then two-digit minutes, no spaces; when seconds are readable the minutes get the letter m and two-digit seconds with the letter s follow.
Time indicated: 11h36m49s
